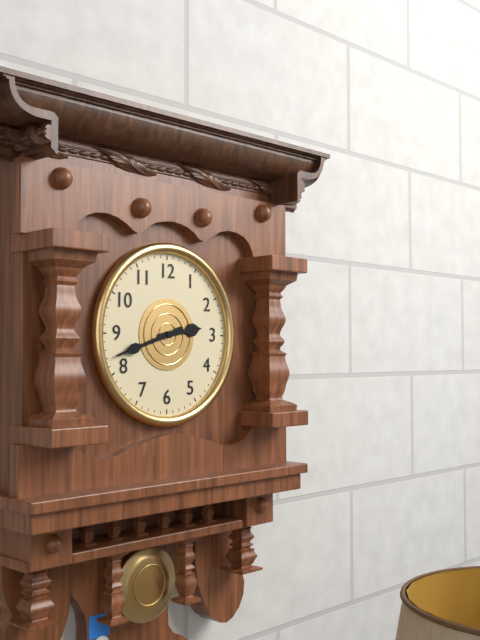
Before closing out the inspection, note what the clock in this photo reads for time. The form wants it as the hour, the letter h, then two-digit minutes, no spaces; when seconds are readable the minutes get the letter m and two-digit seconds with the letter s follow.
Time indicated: 2h42
